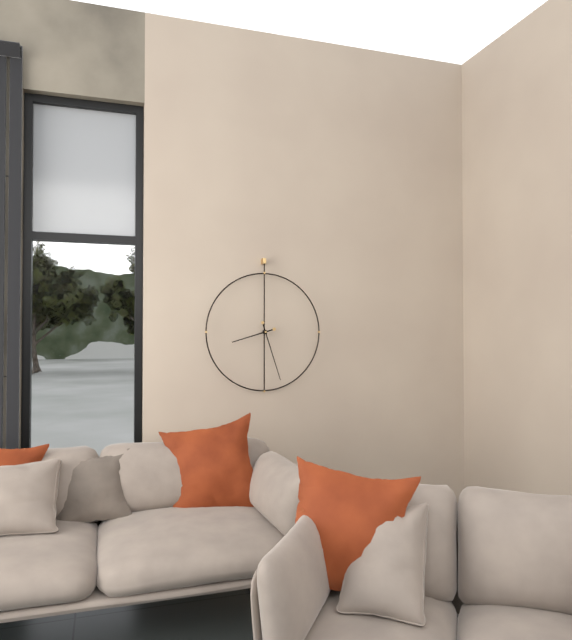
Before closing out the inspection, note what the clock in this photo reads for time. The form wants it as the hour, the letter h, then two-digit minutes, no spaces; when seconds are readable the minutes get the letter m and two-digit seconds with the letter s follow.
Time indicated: 8h27
